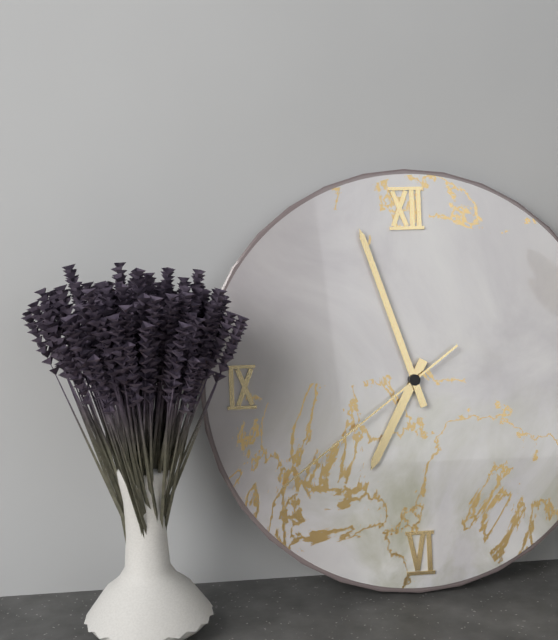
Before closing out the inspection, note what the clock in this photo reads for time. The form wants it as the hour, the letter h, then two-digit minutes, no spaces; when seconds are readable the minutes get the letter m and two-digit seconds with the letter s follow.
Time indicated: 6h57m39s
